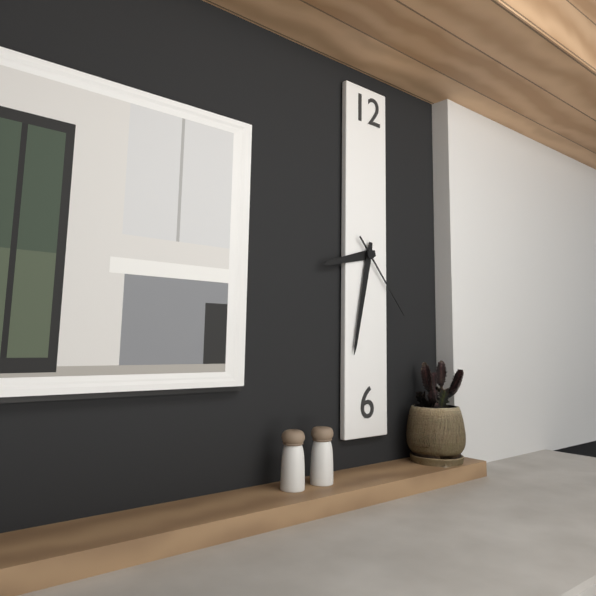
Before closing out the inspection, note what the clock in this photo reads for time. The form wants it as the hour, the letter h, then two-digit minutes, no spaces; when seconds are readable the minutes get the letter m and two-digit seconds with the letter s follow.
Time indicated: 8h32m23s
